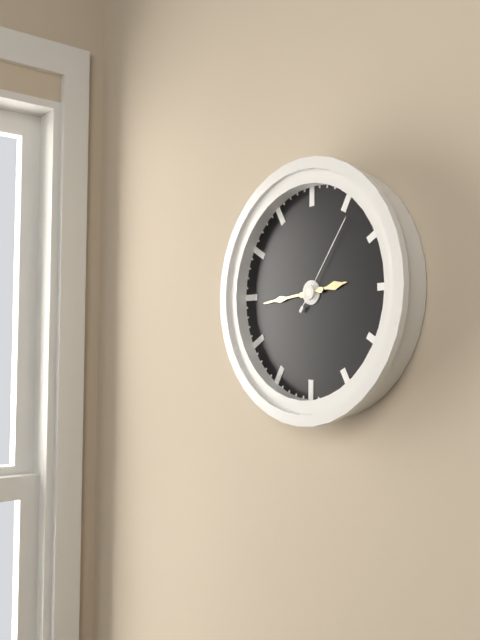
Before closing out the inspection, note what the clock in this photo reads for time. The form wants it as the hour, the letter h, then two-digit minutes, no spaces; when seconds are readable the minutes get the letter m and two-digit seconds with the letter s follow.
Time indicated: 2h44m06s
